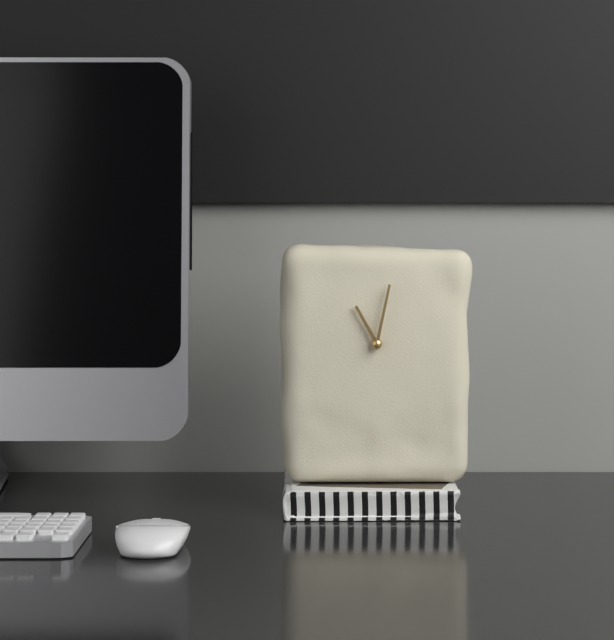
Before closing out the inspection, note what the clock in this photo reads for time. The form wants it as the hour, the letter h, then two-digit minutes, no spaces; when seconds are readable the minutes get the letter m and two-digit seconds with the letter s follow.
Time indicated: 11h02
